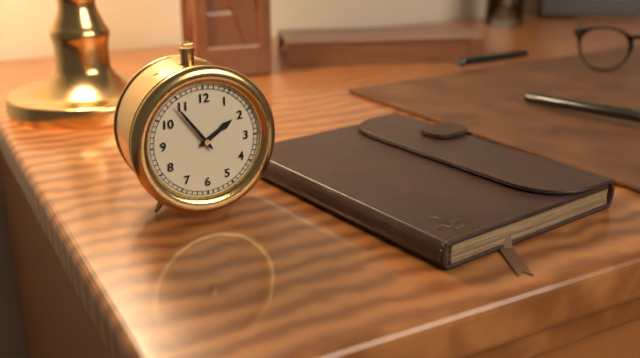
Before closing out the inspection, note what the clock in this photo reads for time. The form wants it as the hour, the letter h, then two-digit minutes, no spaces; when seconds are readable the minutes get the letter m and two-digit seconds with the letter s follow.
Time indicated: 1h54
